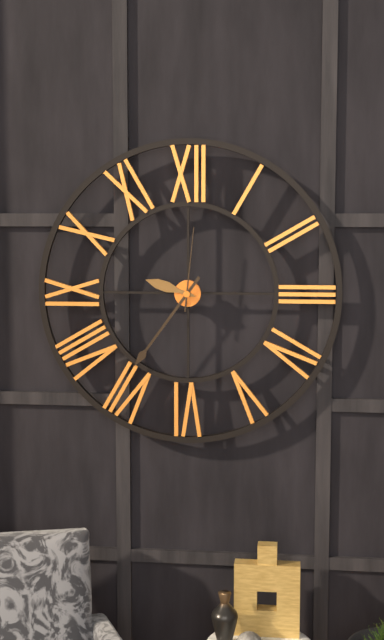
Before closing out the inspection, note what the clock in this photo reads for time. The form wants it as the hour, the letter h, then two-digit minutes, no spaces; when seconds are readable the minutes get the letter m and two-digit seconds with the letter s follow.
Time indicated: 9h36m01s
